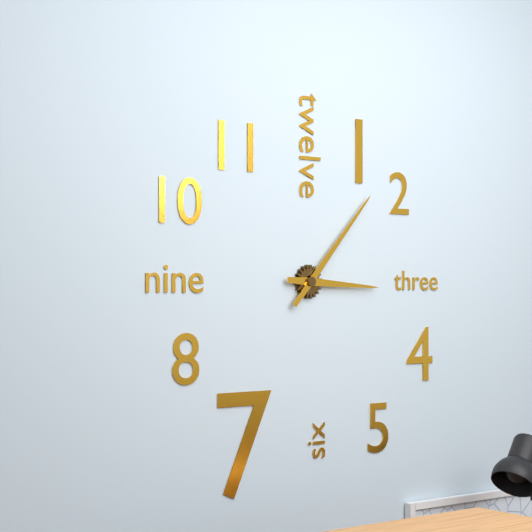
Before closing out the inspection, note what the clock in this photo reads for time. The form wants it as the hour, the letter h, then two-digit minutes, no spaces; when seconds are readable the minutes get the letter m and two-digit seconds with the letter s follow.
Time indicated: 3h07
